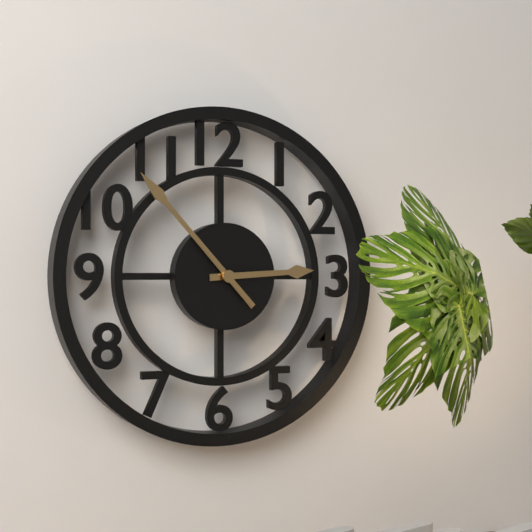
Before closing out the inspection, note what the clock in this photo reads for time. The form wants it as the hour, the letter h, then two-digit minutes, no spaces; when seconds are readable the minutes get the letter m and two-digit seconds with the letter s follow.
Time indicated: 2h53
